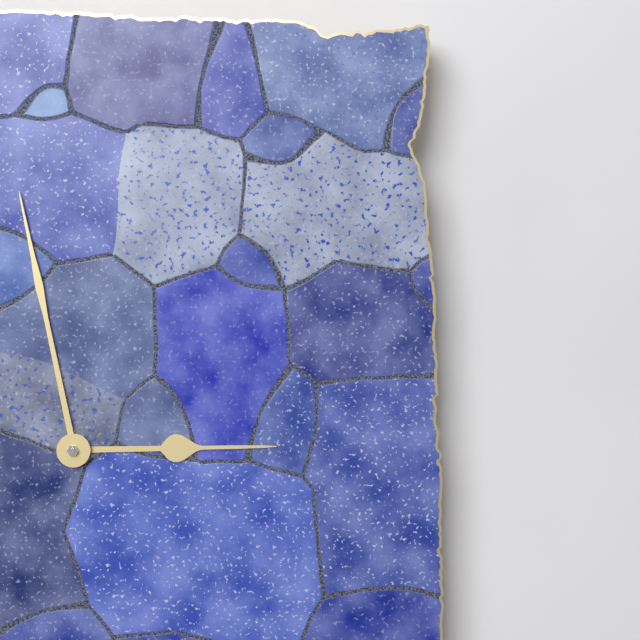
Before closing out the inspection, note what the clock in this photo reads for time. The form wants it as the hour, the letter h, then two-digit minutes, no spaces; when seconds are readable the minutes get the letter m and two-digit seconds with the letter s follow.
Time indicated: 2h58
